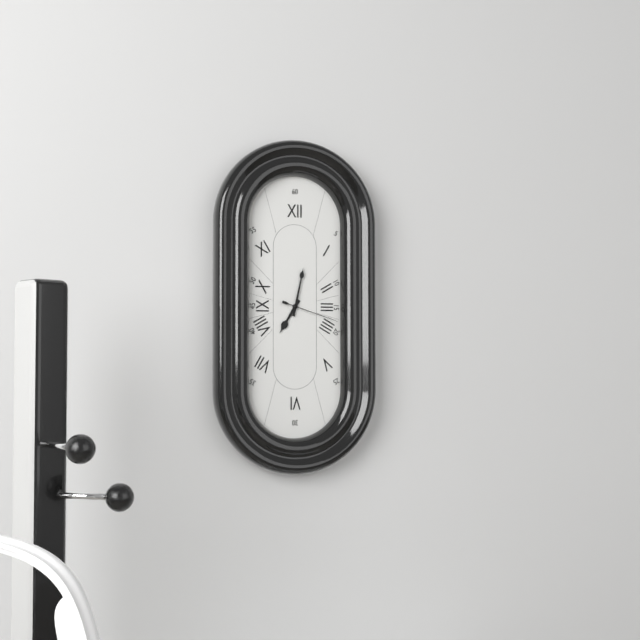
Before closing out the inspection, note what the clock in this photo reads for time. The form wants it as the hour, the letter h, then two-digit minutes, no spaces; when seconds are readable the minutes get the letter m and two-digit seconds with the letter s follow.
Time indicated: 7h02m18s
